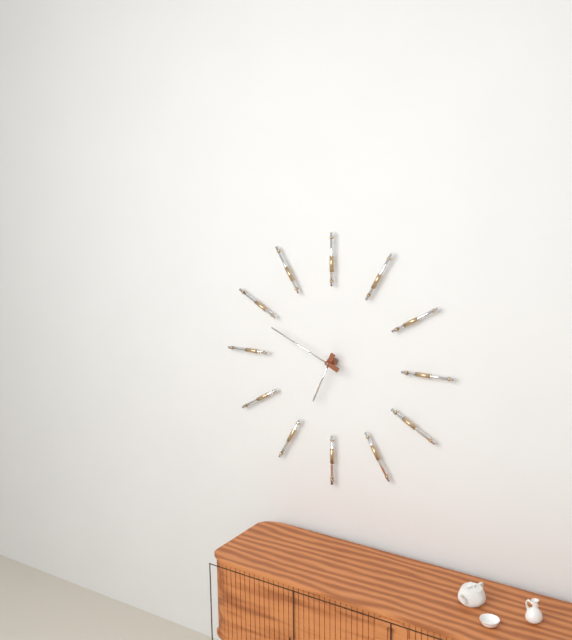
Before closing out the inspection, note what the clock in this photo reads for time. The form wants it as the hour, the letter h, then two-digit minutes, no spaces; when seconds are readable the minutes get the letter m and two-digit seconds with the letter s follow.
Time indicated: 6h49
